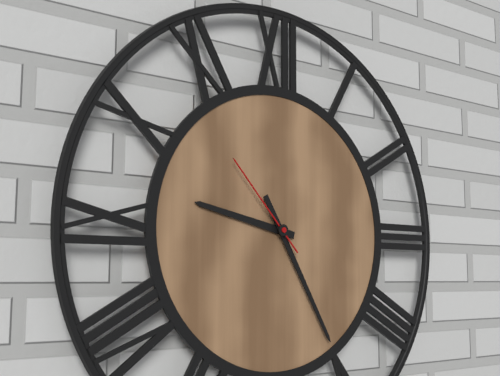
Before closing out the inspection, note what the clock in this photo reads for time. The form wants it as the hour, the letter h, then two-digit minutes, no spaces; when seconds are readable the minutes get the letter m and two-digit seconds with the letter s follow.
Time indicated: 9h25m53s
